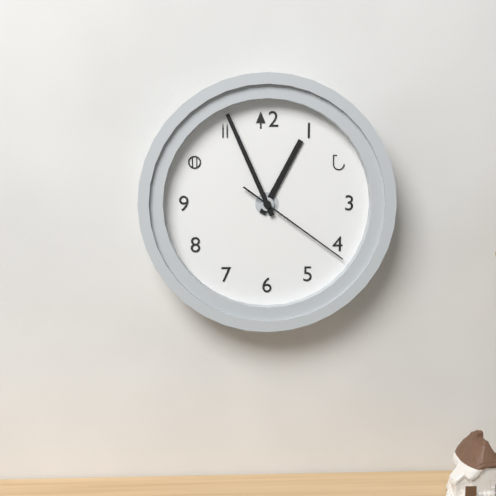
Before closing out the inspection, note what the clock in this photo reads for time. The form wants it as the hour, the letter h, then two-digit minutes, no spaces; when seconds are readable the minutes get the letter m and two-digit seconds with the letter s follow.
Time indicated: 12h56m21s
